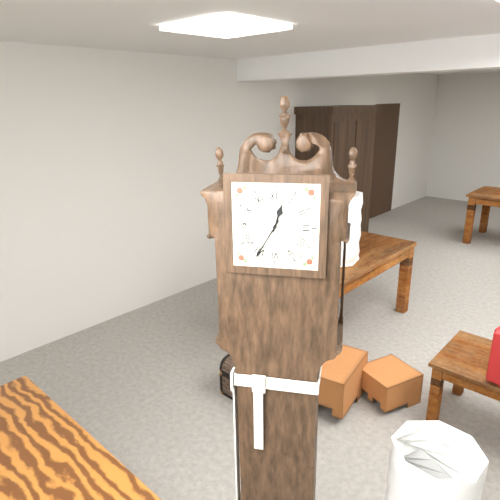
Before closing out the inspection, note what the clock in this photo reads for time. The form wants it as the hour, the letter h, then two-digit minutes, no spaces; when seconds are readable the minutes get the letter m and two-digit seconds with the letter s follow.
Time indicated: 12h35
